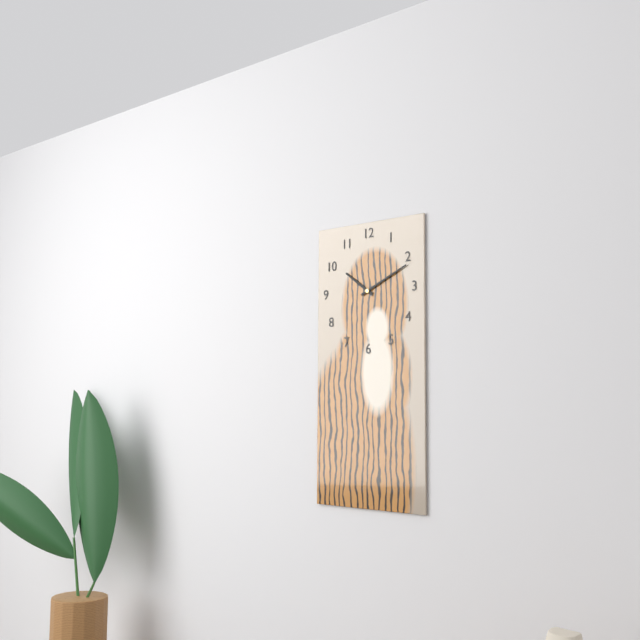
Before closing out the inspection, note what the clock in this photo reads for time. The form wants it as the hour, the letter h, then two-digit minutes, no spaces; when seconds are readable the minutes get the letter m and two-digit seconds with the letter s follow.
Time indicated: 10h11
